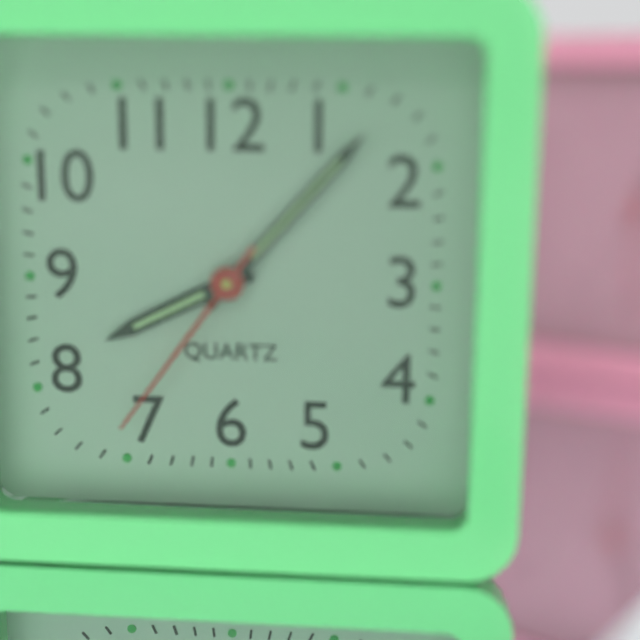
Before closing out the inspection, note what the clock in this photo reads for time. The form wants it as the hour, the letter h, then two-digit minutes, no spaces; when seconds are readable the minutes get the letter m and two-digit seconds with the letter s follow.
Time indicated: 8h07m36s
